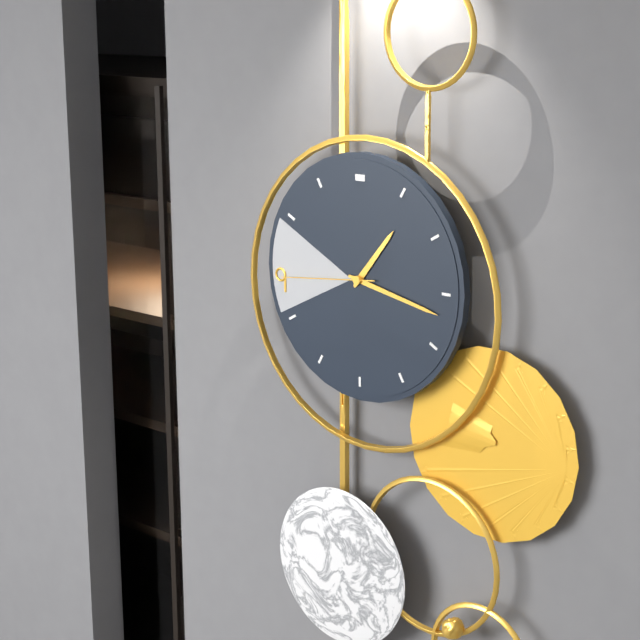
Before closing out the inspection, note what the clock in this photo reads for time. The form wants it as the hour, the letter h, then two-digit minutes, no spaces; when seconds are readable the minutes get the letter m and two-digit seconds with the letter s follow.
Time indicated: 1h17m44s
